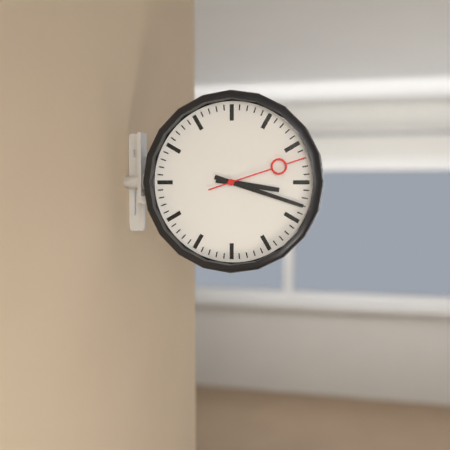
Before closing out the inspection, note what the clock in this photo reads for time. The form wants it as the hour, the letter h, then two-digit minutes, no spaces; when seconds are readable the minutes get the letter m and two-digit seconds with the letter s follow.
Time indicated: 3h18m12s
